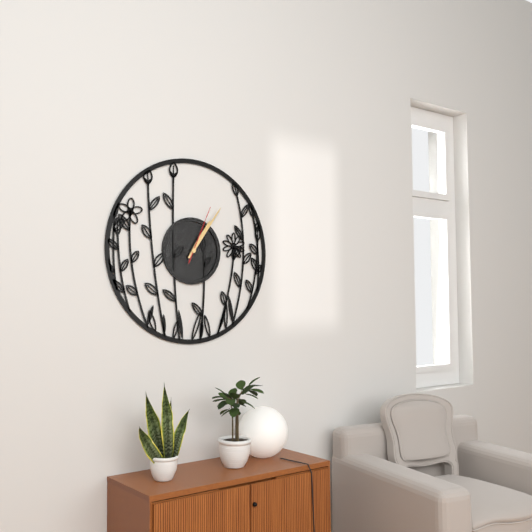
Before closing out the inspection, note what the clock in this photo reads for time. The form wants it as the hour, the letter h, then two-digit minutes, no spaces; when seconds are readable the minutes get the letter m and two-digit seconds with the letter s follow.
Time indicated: 1h06m04s
